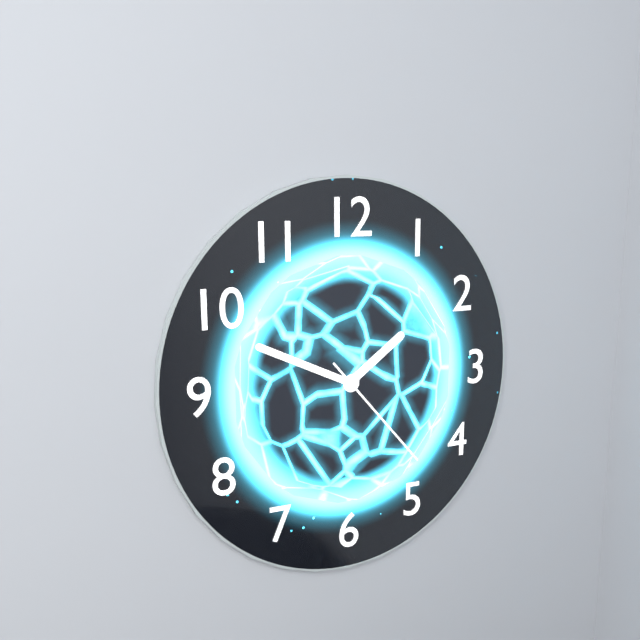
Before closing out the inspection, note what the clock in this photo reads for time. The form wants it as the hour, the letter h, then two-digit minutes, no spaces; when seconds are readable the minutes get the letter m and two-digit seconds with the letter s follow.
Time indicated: 1h49m23s
